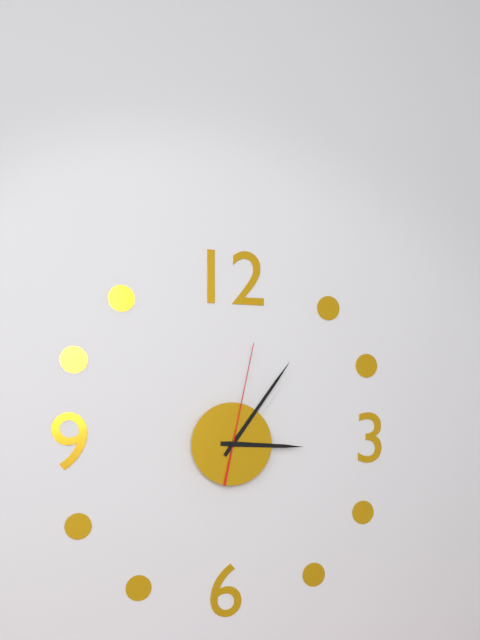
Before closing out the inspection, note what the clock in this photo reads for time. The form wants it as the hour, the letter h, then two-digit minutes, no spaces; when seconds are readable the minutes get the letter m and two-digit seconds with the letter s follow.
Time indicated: 3h06m02s
